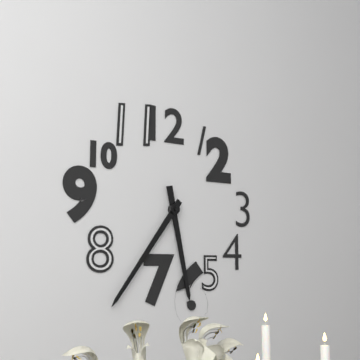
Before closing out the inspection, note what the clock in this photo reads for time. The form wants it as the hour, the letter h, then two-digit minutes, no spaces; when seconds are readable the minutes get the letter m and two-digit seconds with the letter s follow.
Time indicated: 5h36
